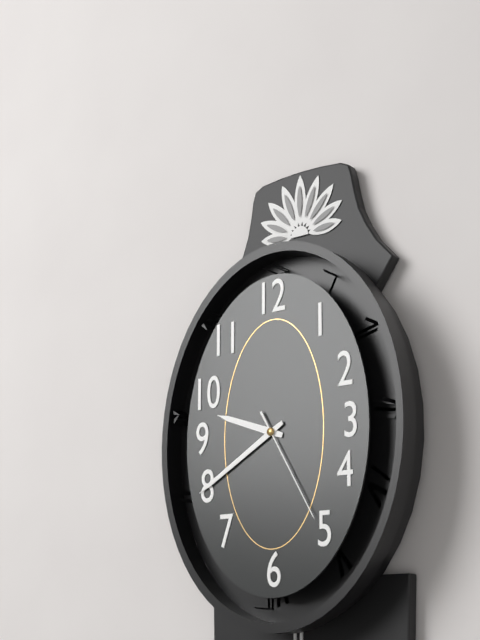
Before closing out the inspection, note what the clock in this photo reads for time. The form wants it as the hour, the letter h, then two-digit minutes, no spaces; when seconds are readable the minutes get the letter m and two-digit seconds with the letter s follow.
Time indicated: 9h40m25s
